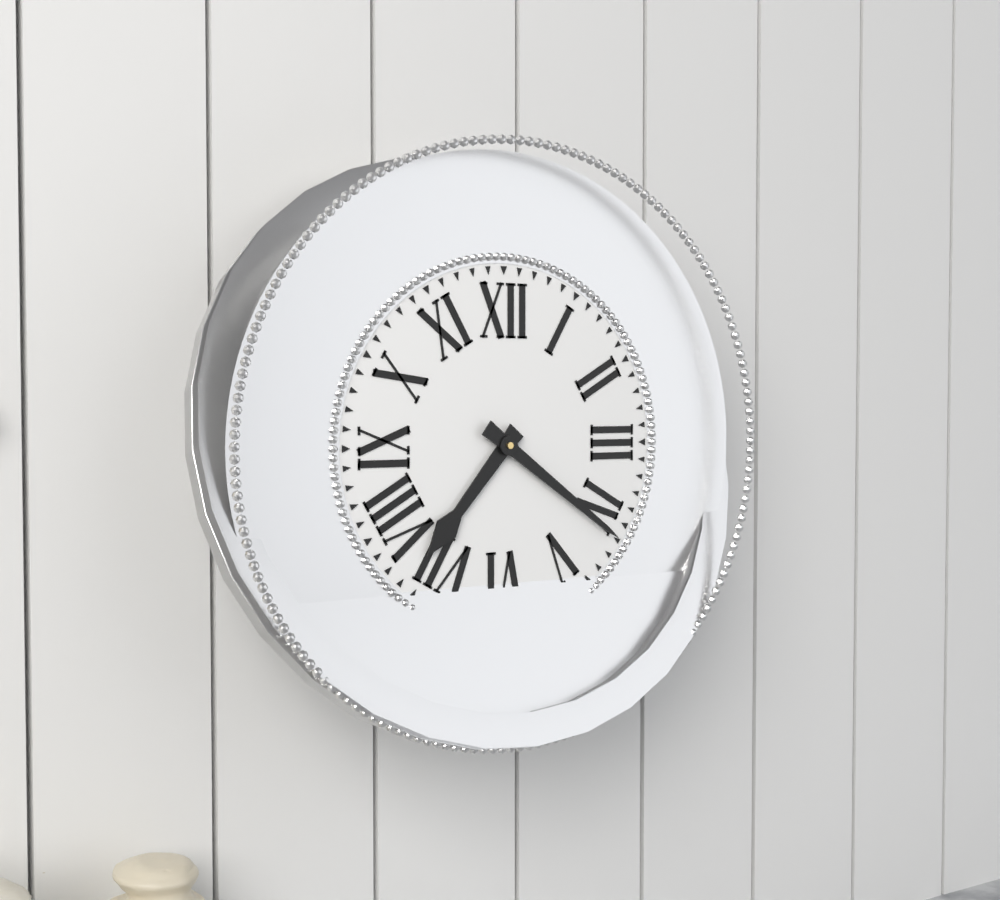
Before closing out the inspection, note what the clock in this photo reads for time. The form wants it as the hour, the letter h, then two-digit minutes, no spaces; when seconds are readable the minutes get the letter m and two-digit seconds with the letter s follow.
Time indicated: 7h21
